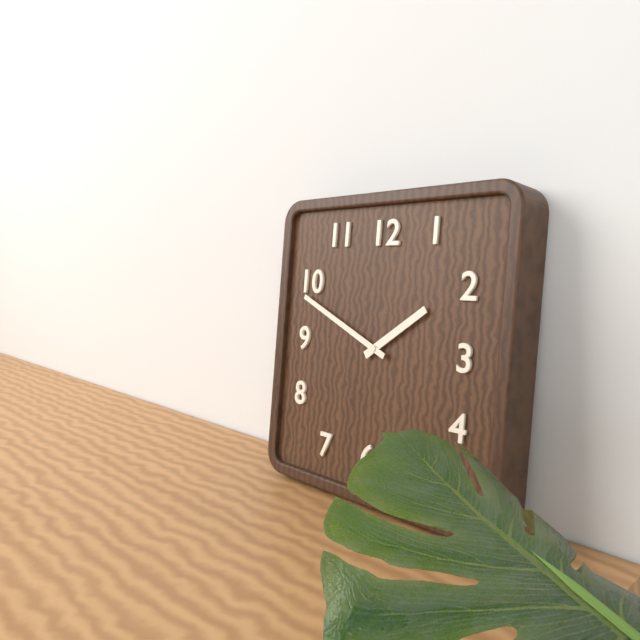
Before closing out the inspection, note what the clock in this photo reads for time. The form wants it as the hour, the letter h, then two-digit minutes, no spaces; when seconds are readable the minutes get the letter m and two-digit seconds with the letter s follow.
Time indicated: 1h49
